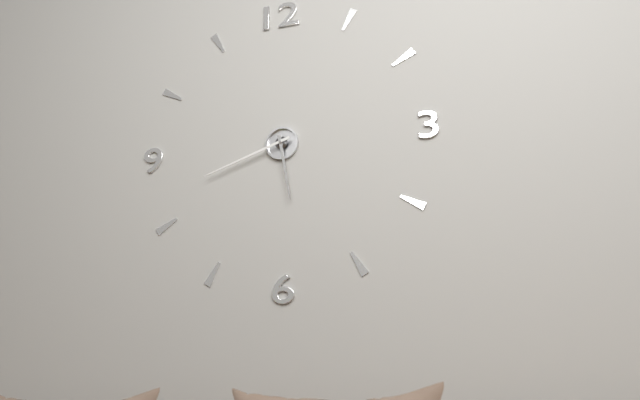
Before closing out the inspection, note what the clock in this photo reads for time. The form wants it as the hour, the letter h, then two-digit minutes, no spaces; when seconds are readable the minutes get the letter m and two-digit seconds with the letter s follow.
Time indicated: 5h42
